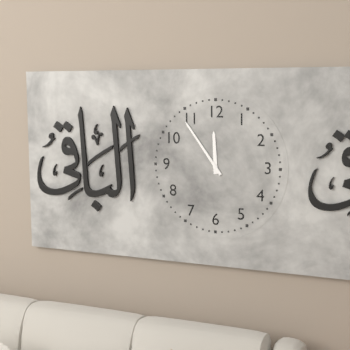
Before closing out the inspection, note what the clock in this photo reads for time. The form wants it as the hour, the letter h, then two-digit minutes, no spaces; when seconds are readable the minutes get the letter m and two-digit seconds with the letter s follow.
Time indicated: 11h54
